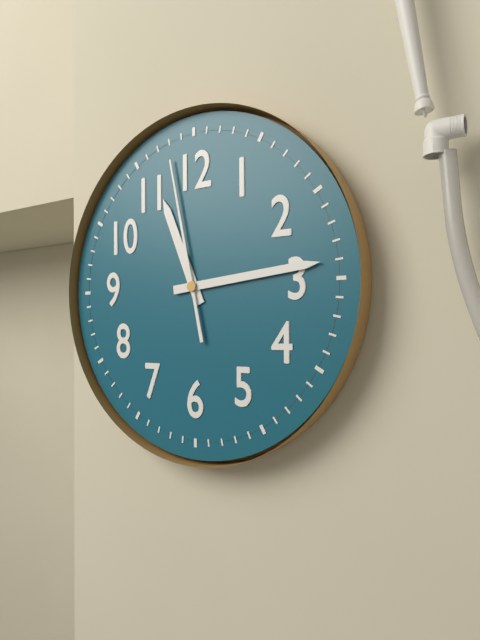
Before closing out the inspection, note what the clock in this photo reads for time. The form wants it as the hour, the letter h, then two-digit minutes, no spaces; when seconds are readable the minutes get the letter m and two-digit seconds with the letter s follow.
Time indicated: 11h14m58s
